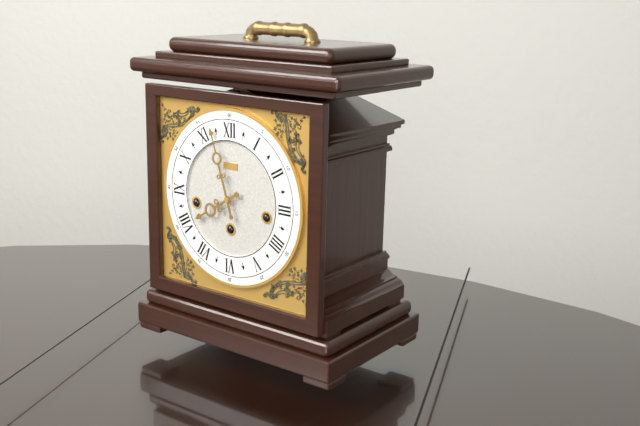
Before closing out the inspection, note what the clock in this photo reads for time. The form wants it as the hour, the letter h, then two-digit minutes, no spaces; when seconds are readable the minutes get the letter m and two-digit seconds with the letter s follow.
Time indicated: 7h57
